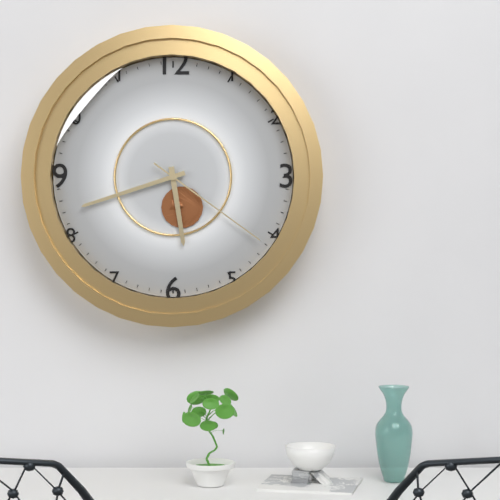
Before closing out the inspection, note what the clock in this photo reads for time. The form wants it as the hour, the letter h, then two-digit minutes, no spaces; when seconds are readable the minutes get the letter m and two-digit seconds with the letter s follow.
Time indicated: 5h42m21s
